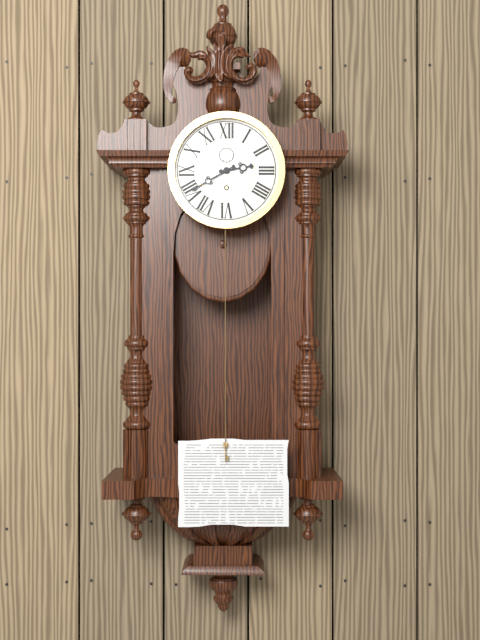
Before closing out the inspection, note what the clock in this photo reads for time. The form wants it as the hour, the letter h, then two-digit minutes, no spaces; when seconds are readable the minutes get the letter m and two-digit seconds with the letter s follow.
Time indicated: 2h40
